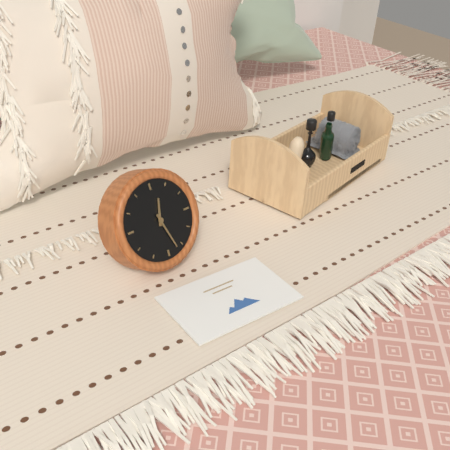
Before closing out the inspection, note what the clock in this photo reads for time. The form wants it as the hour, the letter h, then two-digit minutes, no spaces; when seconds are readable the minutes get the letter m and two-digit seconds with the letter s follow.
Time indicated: 12h27
